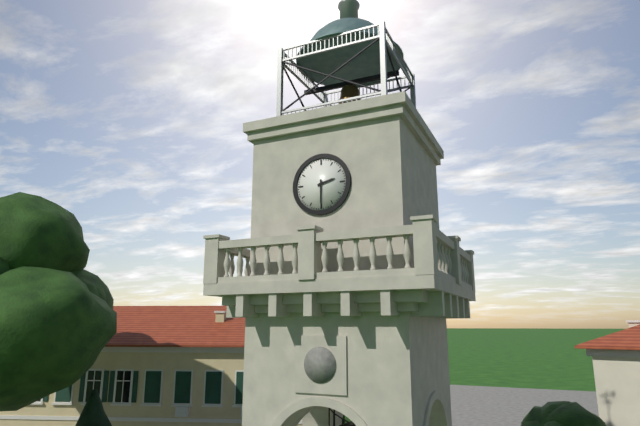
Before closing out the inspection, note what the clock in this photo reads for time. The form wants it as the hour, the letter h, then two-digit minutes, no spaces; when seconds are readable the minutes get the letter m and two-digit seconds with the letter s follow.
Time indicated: 2h30
